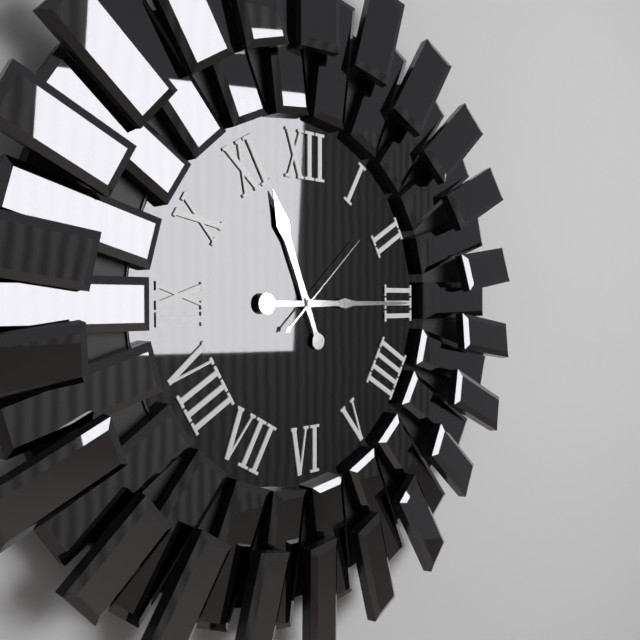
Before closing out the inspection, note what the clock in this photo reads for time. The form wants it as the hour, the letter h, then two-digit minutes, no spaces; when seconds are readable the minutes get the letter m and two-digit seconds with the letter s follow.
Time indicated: 11h15m08s
